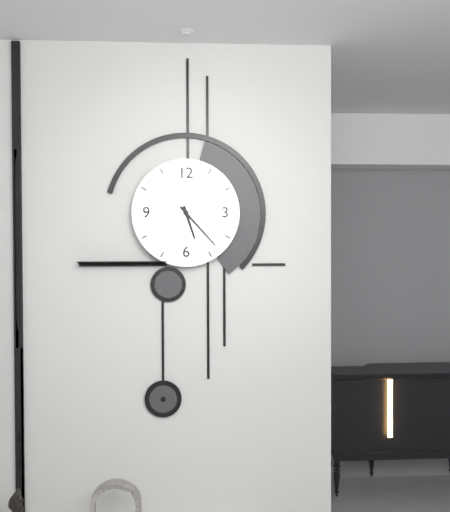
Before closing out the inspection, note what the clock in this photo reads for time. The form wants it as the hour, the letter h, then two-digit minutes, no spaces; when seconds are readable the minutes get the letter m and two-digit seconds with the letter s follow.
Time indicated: 5h23
